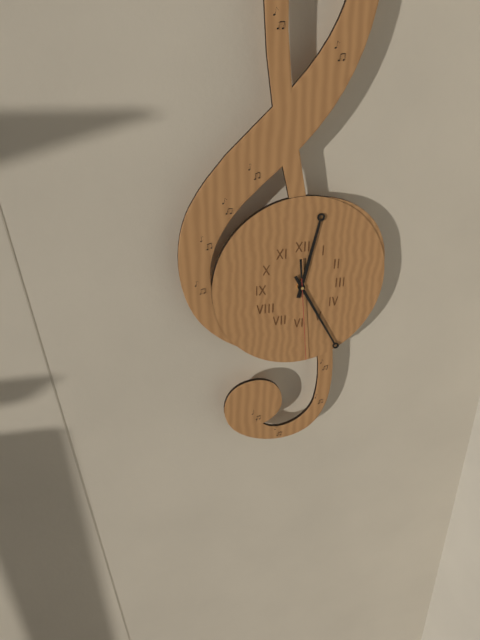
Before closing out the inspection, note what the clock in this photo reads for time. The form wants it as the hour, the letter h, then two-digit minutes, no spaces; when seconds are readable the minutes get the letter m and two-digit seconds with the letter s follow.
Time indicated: 12h25m29s
